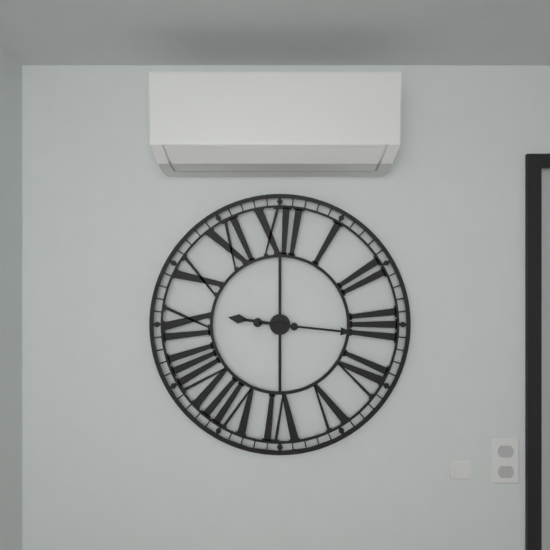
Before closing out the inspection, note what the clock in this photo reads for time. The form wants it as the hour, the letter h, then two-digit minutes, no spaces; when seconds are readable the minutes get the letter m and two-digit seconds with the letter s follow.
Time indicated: 9h16
